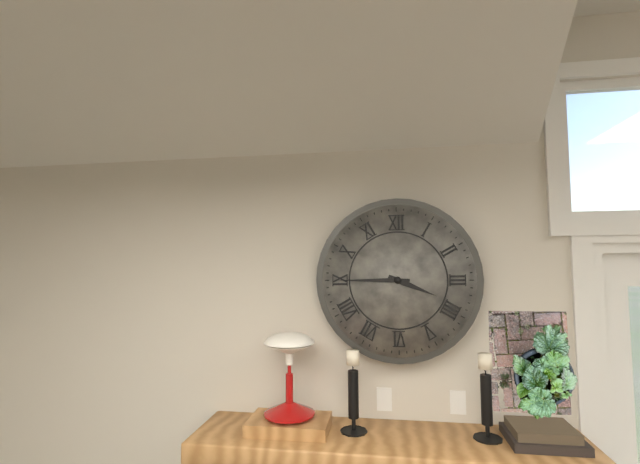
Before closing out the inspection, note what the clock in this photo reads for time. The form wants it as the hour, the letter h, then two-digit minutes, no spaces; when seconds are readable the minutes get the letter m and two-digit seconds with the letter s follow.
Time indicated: 3h45
